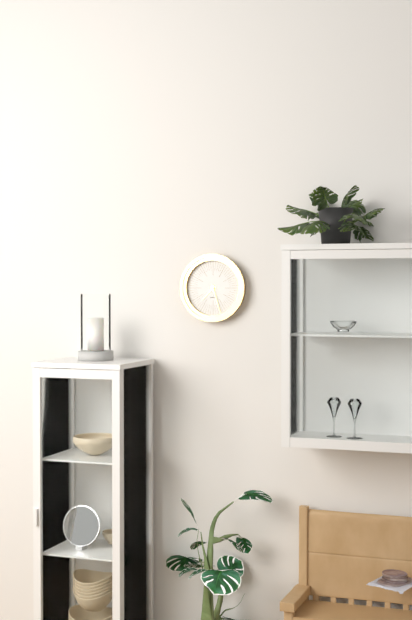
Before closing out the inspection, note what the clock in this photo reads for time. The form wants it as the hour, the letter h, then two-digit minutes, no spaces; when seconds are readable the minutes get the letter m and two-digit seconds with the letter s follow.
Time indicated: 7h27
